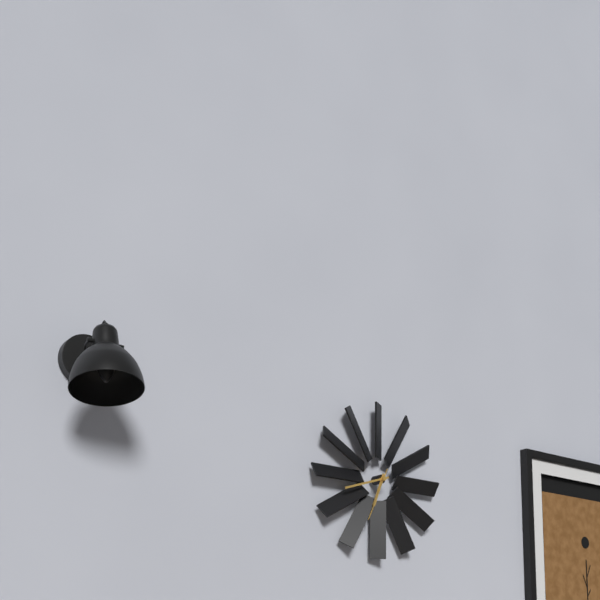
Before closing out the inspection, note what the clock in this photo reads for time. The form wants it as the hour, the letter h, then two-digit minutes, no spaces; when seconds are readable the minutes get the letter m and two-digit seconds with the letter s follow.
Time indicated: 6h42m34s
